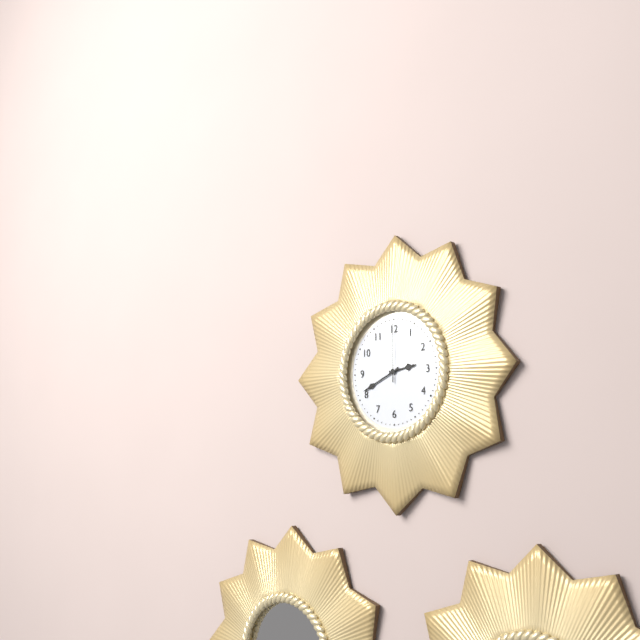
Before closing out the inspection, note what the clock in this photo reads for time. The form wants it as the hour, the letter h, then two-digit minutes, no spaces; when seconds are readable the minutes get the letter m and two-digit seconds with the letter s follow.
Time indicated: 2h41m00s
